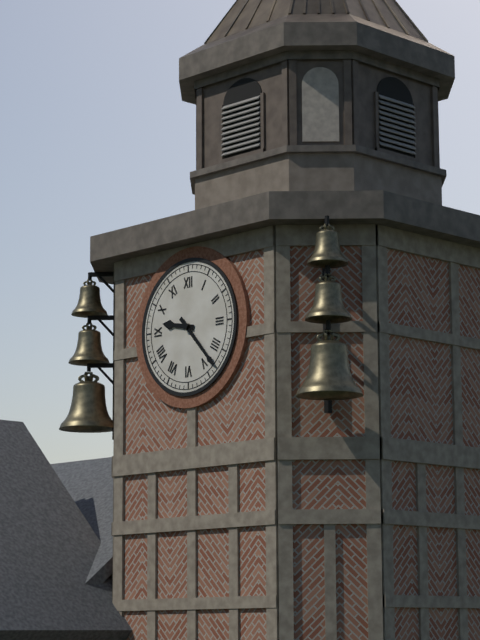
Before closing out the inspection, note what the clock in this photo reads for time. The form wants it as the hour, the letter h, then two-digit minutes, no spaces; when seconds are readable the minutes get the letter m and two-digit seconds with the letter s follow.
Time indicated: 9h23
